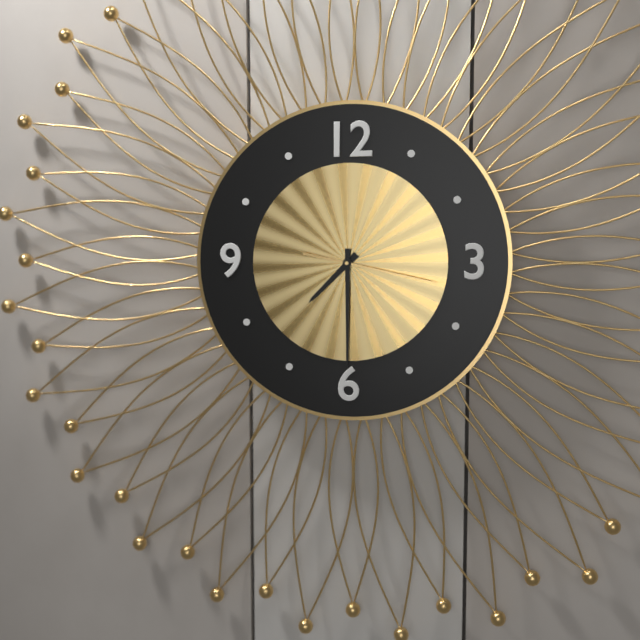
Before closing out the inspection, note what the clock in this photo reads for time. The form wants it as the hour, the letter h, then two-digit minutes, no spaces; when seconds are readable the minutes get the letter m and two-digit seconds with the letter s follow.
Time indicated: 7h30m17s
